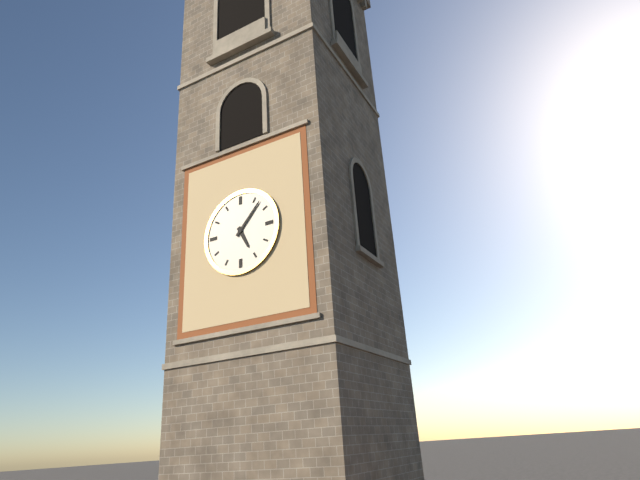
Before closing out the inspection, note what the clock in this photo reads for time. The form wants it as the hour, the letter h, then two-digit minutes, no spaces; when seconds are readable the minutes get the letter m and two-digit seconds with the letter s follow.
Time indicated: 5h07
